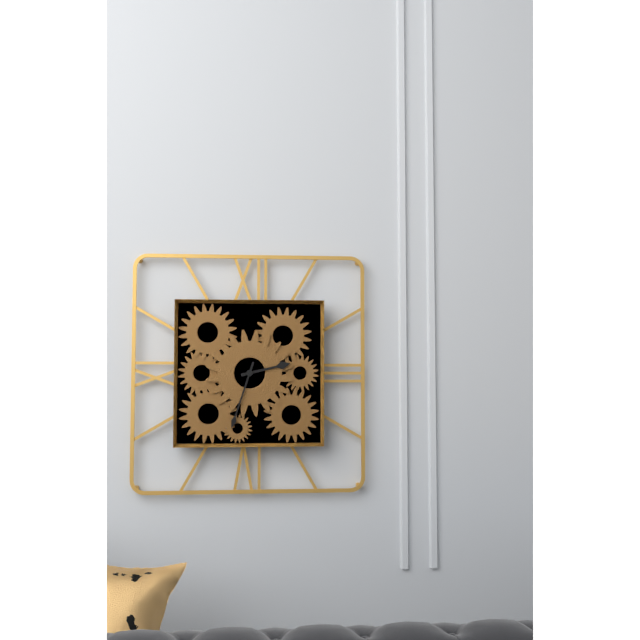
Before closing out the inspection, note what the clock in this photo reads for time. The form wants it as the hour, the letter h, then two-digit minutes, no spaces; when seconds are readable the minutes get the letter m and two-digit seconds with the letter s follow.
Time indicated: 2h33
